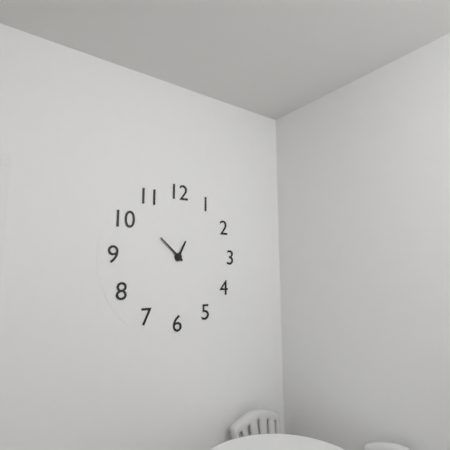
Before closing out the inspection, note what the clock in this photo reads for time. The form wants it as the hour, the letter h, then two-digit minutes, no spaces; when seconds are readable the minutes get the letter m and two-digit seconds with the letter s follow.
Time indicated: 12h52
